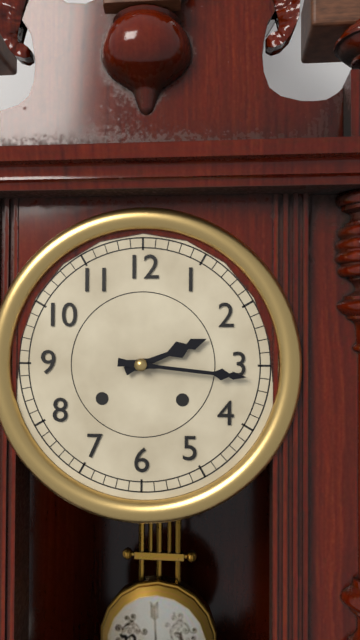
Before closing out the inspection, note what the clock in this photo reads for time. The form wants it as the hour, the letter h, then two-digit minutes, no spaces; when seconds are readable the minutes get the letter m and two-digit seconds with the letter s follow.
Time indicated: 2h16
